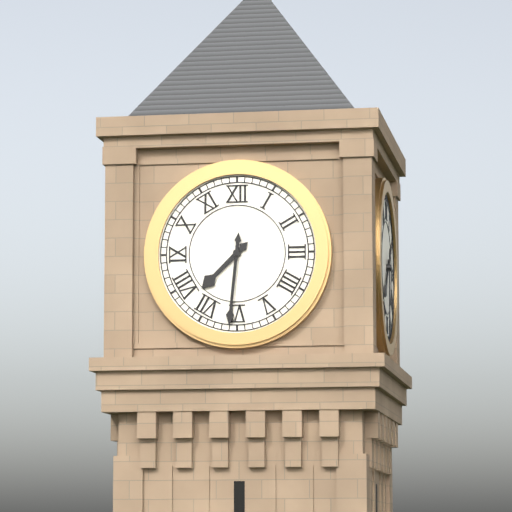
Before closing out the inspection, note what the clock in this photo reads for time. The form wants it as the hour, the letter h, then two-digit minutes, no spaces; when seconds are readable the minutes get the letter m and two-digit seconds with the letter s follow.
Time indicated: 7h31
